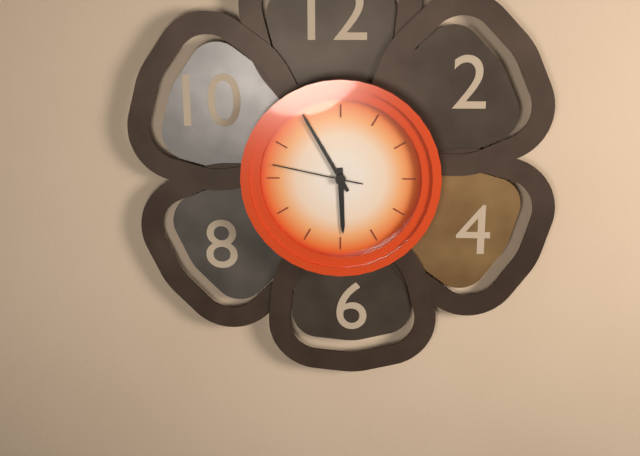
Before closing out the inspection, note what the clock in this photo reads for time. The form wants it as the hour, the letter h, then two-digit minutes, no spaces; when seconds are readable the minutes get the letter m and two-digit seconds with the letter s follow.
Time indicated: 5h55m47s
